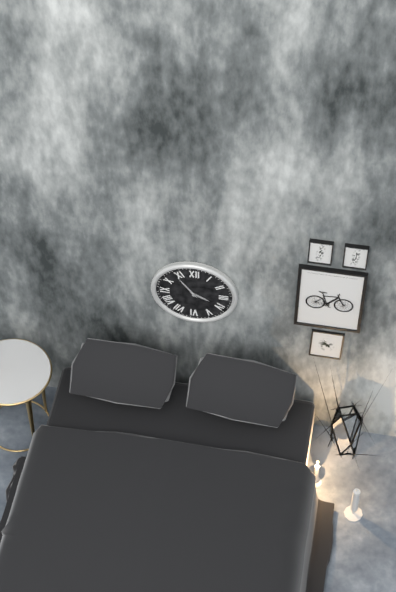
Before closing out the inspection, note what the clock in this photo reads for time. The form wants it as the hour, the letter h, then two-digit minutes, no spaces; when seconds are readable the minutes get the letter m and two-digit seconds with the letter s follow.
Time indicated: 3h54
